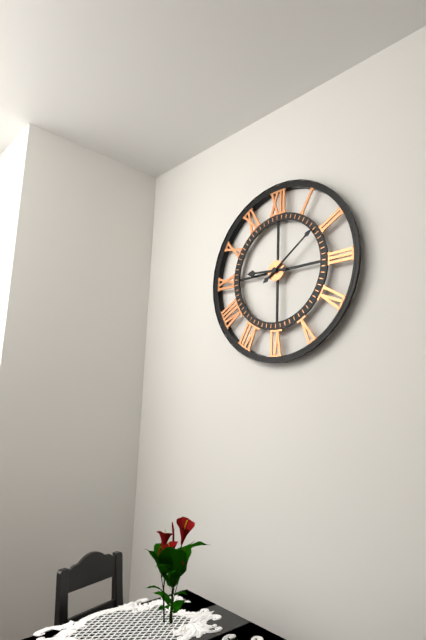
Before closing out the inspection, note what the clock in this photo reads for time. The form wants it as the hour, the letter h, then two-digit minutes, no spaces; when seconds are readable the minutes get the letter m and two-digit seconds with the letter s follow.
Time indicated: 9h09
